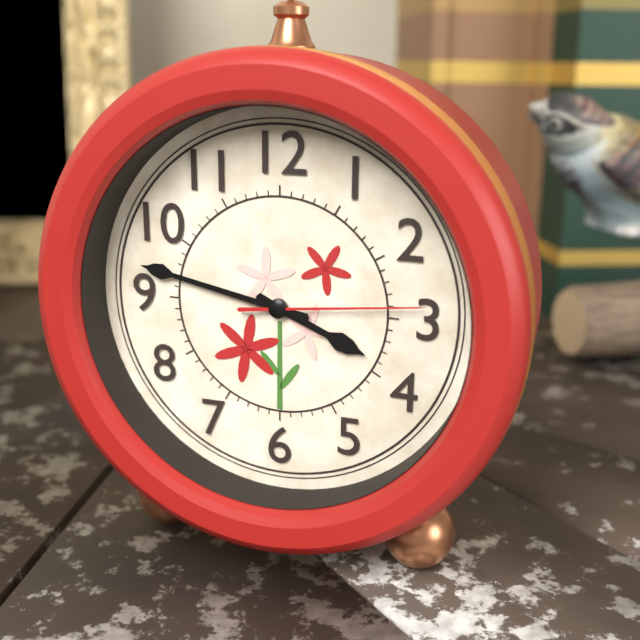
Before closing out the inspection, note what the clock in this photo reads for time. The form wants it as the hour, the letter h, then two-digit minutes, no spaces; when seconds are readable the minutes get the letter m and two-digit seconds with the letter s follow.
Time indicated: 3h47m14s
